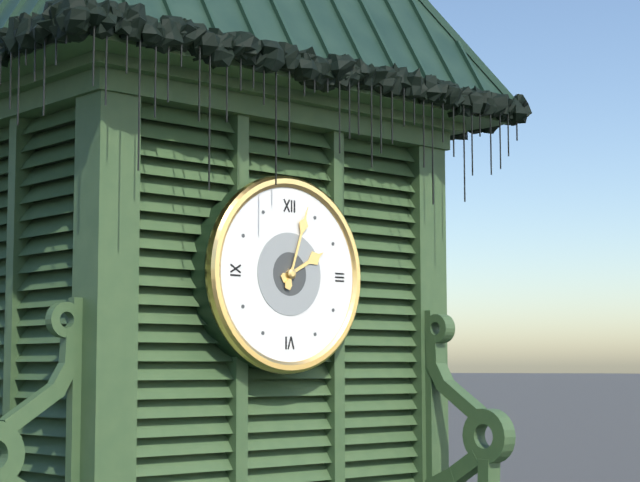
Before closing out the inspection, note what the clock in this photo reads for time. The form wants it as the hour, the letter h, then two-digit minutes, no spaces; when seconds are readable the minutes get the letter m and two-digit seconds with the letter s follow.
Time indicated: 2h03
